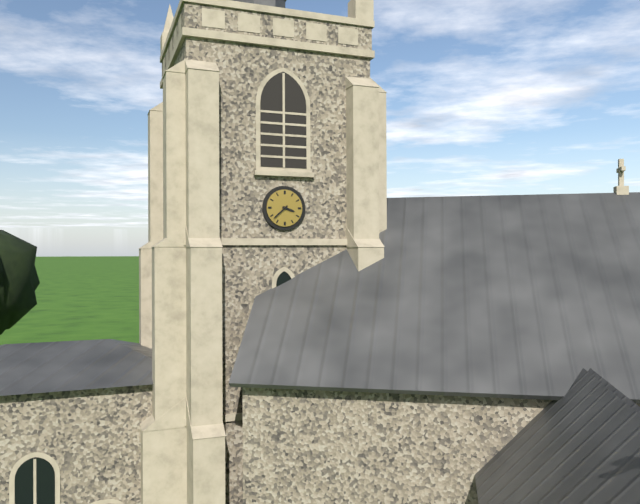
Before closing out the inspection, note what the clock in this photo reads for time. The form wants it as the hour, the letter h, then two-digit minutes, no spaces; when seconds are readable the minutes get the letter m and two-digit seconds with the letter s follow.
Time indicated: 3h38
